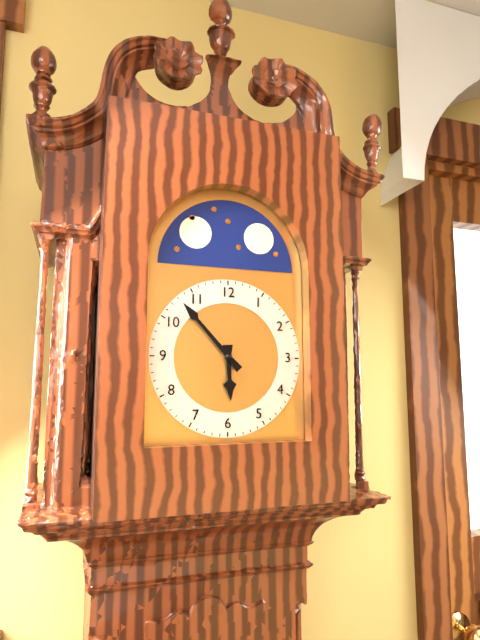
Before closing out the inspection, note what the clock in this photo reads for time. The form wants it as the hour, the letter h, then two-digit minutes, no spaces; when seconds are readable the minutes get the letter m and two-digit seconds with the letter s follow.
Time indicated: 5h53
